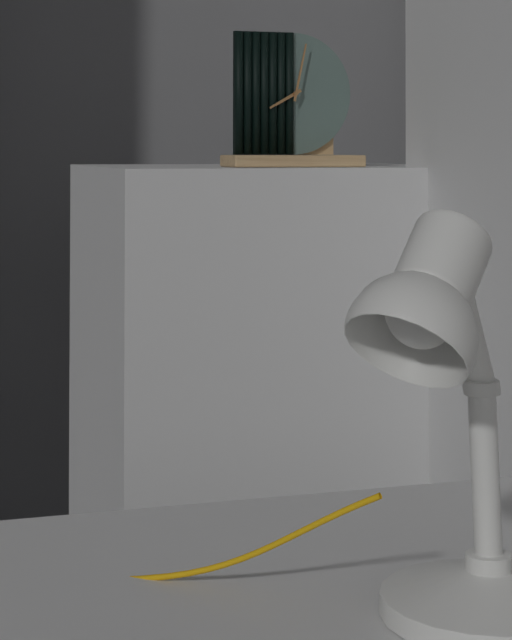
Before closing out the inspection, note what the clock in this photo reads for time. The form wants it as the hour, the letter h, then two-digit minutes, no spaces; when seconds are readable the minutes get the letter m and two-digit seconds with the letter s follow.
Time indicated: 8h02
